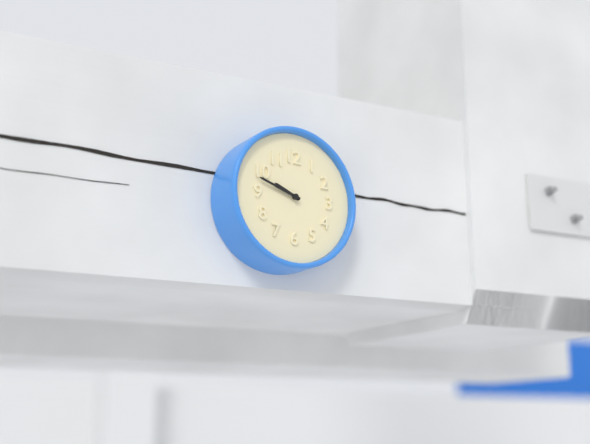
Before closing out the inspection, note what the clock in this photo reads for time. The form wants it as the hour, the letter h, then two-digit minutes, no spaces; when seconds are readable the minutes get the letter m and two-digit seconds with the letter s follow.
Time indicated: 9h48
